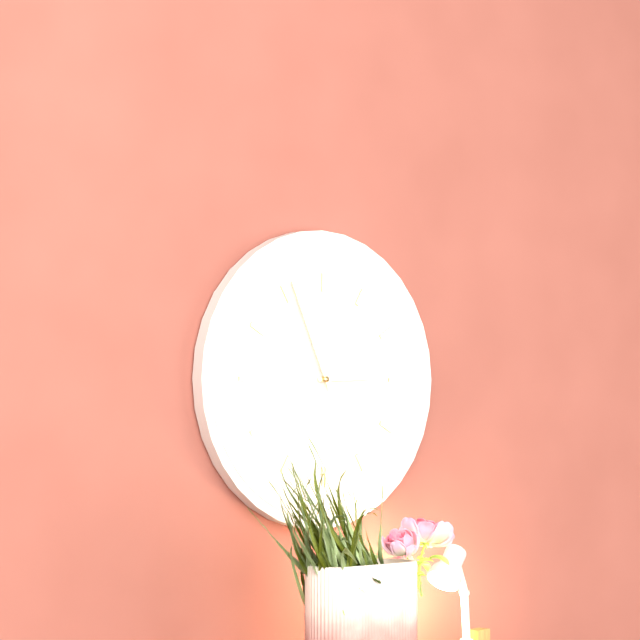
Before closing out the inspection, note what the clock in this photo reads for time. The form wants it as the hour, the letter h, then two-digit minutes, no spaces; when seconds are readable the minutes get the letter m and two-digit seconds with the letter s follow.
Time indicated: 2h56
